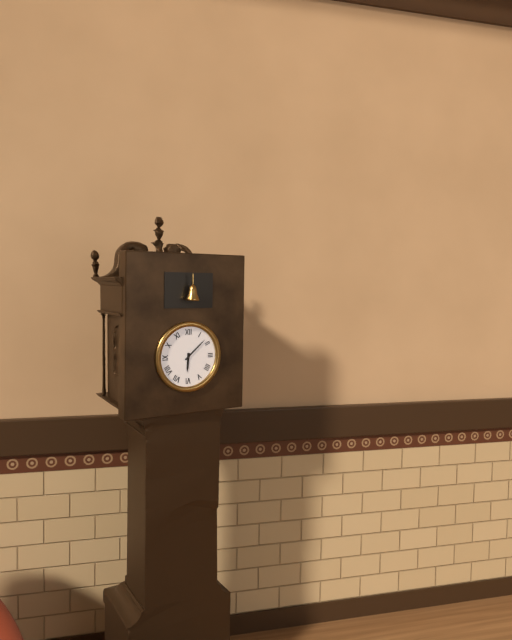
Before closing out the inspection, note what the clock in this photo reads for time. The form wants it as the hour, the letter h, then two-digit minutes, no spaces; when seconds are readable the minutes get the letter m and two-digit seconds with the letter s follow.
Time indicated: 6h08
